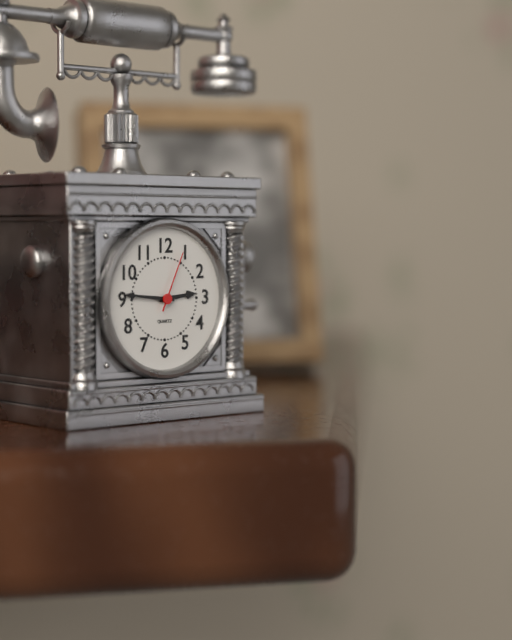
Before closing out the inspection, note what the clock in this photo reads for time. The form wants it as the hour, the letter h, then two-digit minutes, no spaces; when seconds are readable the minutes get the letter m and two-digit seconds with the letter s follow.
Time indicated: 2h46m04s
